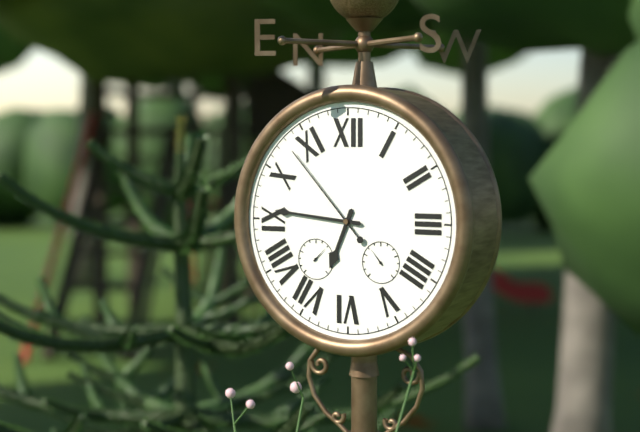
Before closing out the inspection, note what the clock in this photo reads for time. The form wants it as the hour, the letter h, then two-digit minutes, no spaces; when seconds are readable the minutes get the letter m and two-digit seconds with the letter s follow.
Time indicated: 6h46m53s
